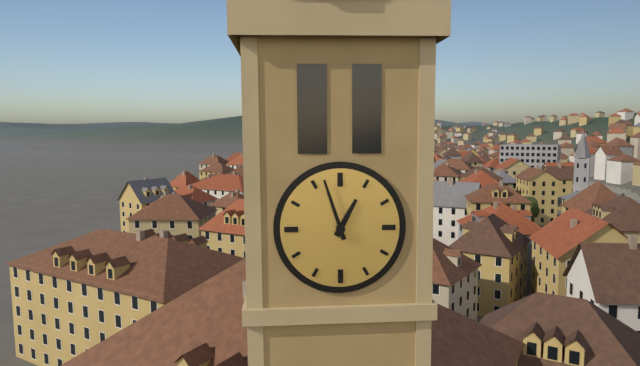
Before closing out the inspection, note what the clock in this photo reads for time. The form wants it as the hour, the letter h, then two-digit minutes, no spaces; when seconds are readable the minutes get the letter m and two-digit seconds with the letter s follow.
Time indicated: 12h57
